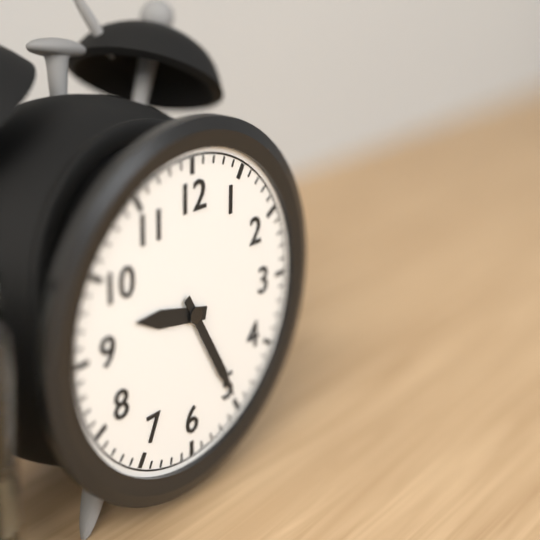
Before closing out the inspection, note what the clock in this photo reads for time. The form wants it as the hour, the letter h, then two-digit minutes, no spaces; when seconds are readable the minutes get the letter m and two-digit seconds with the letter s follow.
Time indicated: 9h25
